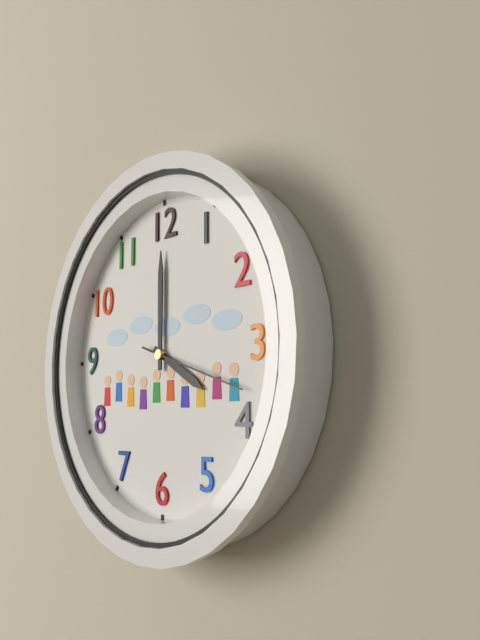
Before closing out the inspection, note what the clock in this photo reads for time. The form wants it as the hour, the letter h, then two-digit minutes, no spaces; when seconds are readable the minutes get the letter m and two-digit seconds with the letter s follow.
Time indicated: 4h00m18s
